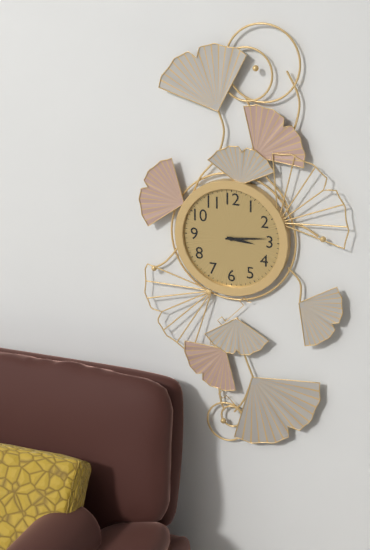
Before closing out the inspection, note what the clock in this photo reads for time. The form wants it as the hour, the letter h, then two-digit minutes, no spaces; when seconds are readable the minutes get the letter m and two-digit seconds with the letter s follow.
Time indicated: 3h14
